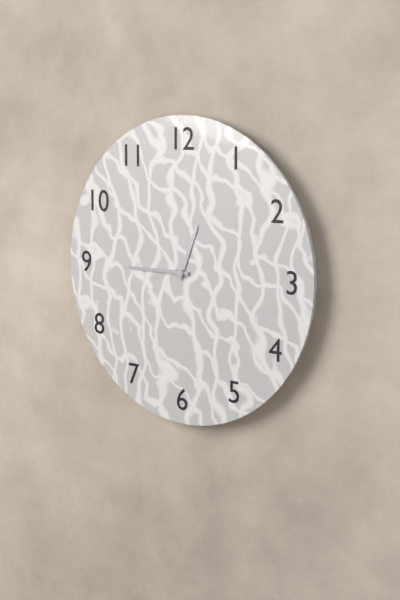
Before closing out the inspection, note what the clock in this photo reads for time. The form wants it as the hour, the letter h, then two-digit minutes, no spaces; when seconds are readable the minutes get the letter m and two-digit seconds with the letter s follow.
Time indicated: 12h45
